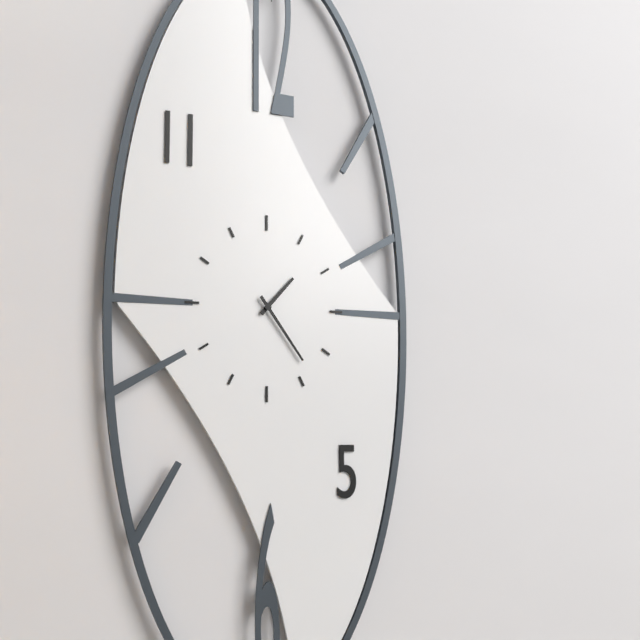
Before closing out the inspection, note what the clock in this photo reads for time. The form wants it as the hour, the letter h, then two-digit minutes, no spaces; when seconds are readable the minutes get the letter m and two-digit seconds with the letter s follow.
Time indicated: 1h24
